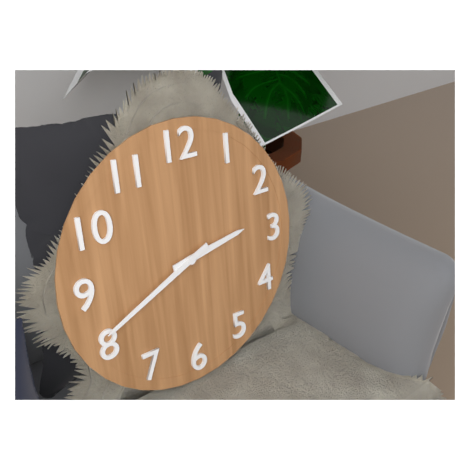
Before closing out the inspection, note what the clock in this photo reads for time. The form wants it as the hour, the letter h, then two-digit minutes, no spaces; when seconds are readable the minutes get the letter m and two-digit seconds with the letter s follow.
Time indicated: 2h41
